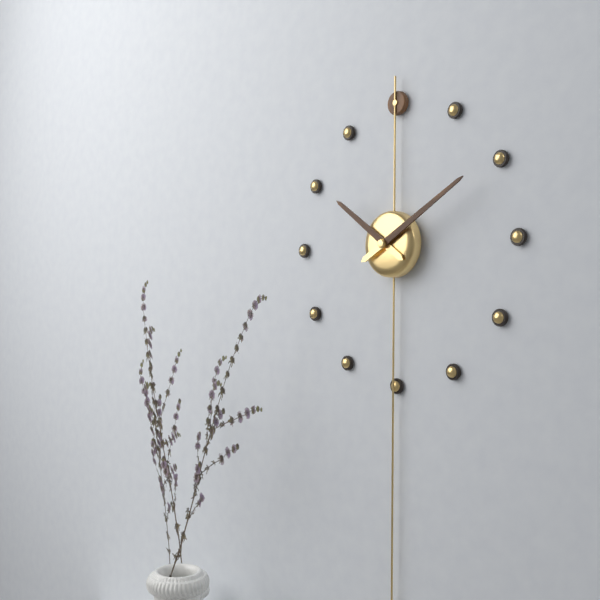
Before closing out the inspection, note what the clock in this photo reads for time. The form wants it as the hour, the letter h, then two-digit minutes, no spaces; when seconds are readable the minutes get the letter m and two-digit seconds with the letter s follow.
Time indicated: 10h10
